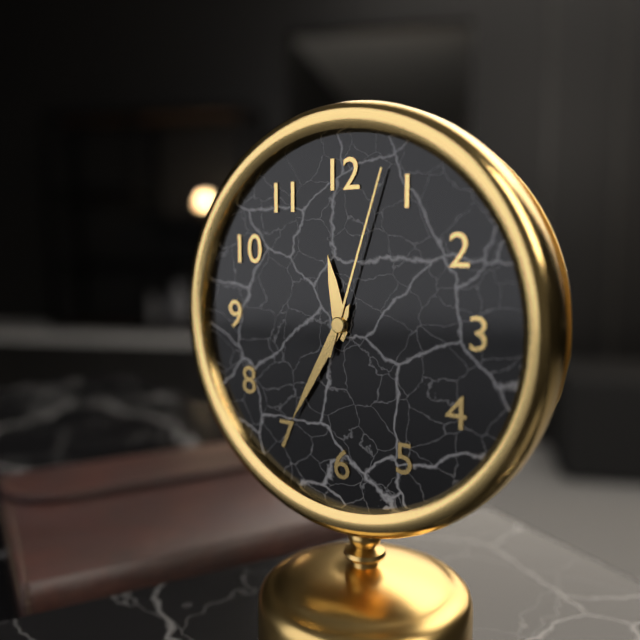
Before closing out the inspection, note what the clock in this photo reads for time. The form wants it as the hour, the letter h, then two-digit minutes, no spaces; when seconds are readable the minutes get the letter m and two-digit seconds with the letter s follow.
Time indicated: 11h35m03s
